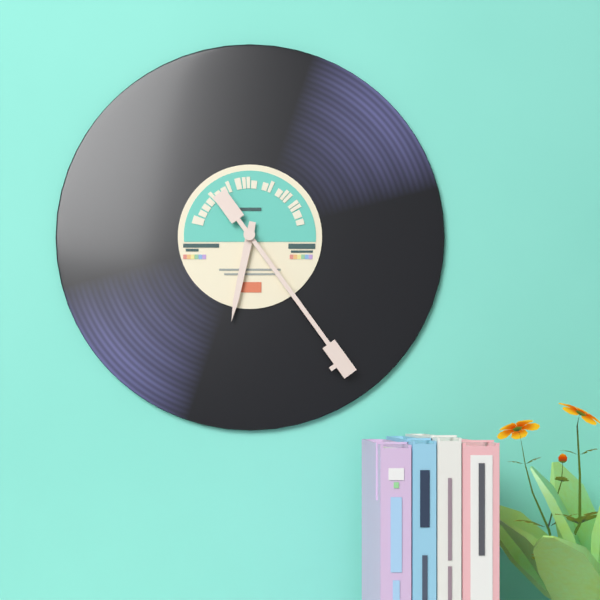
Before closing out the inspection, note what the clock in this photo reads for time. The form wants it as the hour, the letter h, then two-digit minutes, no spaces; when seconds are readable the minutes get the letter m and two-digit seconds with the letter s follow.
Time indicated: 6h24
